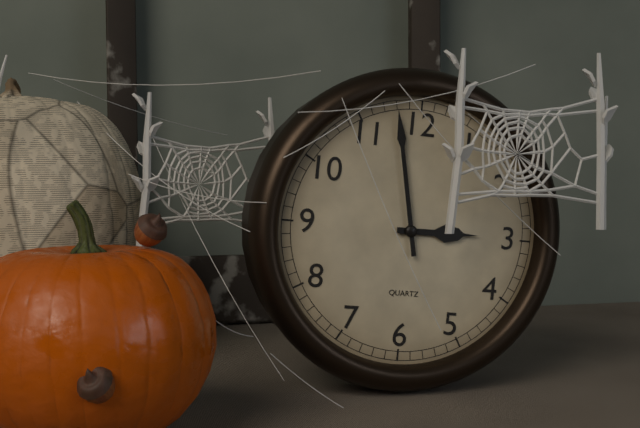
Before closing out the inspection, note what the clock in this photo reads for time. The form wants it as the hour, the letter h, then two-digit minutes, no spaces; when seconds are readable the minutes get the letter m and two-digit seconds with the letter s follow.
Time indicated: 2h58
